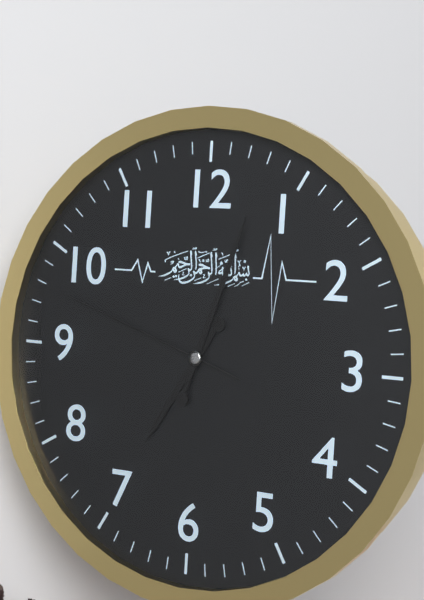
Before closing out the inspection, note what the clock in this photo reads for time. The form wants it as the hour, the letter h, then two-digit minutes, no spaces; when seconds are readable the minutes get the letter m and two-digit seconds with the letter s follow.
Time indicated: 7h03m48s
